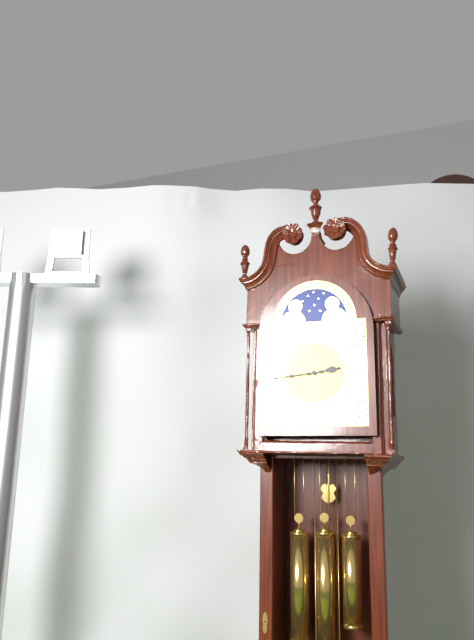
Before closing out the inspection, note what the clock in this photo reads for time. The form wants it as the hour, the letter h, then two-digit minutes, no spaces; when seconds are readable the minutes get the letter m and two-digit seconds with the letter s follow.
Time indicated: 2h44
